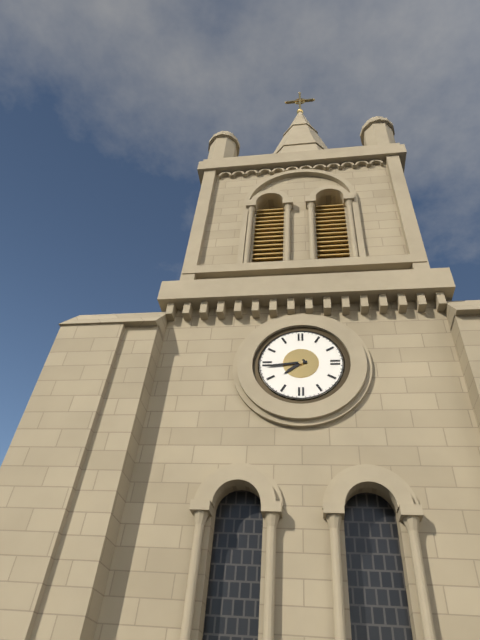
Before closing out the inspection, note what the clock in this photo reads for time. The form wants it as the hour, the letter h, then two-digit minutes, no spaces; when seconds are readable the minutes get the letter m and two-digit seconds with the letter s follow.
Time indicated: 7h44
